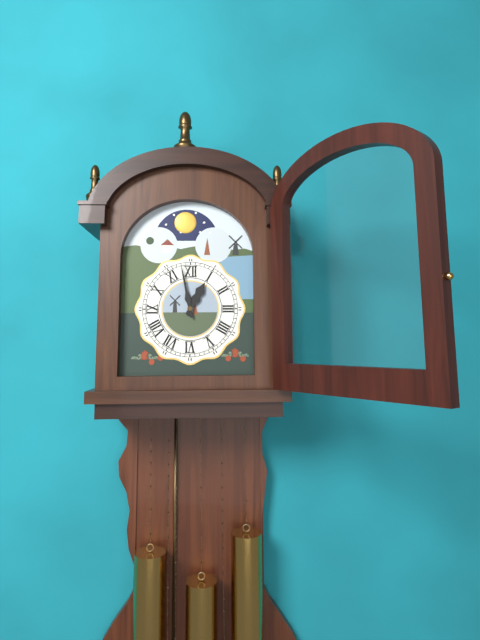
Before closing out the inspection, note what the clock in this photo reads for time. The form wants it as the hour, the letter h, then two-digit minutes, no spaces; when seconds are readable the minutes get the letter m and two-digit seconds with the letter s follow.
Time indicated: 12h58
